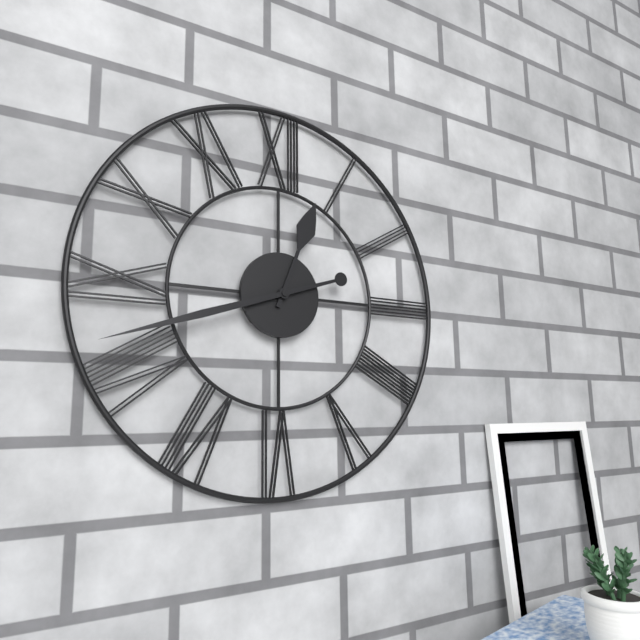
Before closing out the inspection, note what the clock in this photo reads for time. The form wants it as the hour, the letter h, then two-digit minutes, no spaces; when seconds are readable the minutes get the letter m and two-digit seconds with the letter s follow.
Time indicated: 12h42
